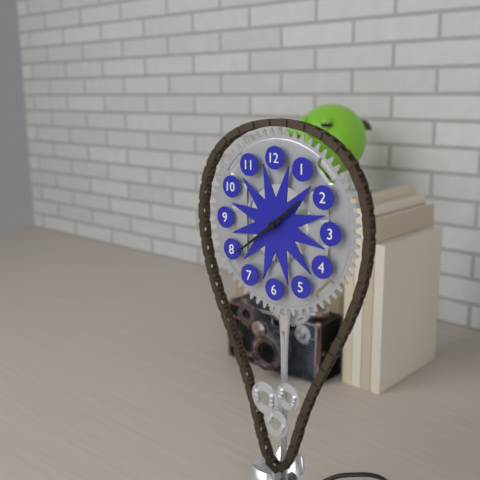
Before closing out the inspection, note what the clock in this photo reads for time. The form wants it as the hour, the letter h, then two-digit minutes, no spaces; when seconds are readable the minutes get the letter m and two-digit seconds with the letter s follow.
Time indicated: 1h39
